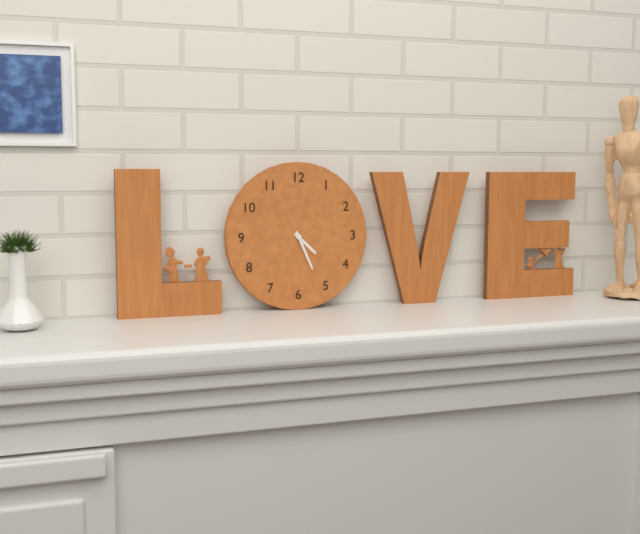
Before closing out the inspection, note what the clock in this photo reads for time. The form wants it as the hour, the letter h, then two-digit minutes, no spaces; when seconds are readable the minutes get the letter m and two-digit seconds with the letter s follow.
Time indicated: 4h26
